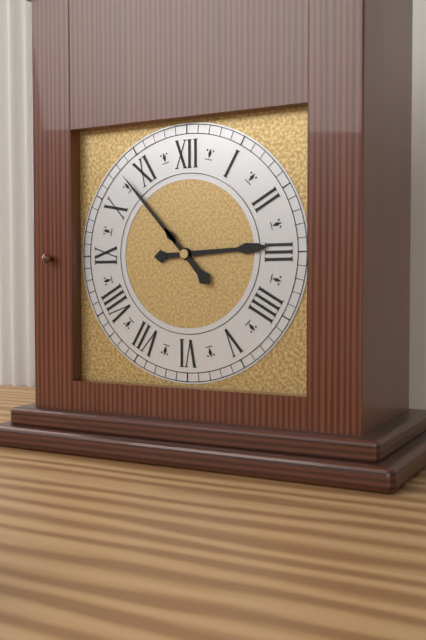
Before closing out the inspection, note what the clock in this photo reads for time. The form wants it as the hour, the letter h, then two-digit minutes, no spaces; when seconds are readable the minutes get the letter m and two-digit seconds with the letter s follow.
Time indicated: 2h53
